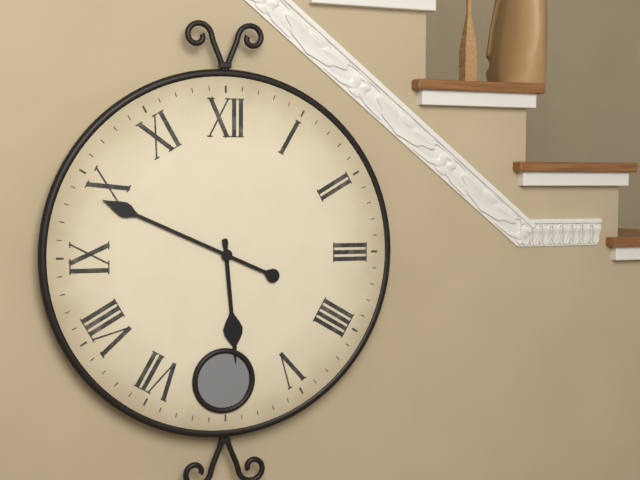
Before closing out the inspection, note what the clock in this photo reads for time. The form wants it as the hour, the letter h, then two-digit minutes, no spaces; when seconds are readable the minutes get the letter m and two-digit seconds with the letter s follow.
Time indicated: 5h49
